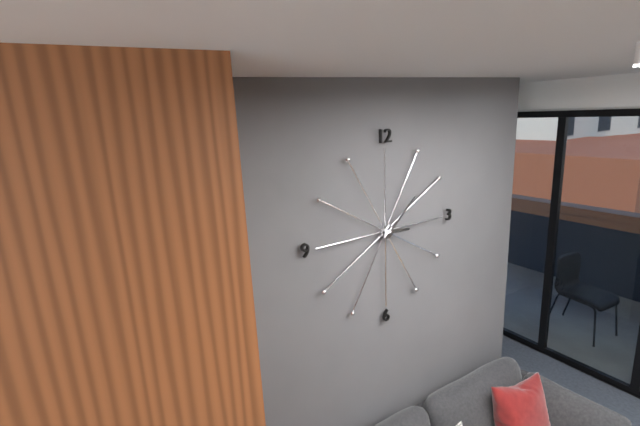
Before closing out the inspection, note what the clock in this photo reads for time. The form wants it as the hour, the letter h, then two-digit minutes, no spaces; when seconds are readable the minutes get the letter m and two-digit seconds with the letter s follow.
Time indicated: 3h08
